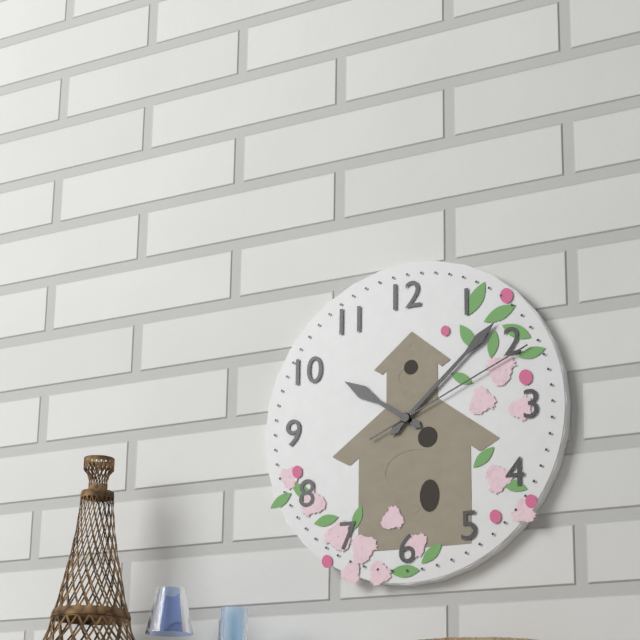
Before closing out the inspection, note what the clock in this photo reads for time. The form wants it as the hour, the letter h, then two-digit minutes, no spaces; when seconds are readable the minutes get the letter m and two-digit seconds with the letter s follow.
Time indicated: 10h08m11s
